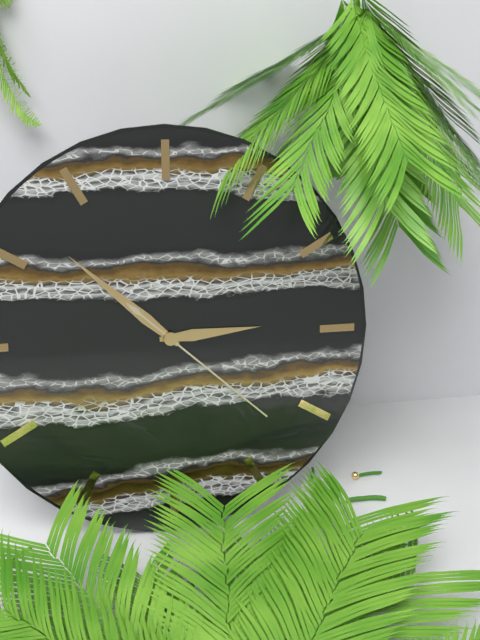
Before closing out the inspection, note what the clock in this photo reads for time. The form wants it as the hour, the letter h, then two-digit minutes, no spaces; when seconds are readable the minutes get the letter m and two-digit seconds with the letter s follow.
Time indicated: 2h52m22s
